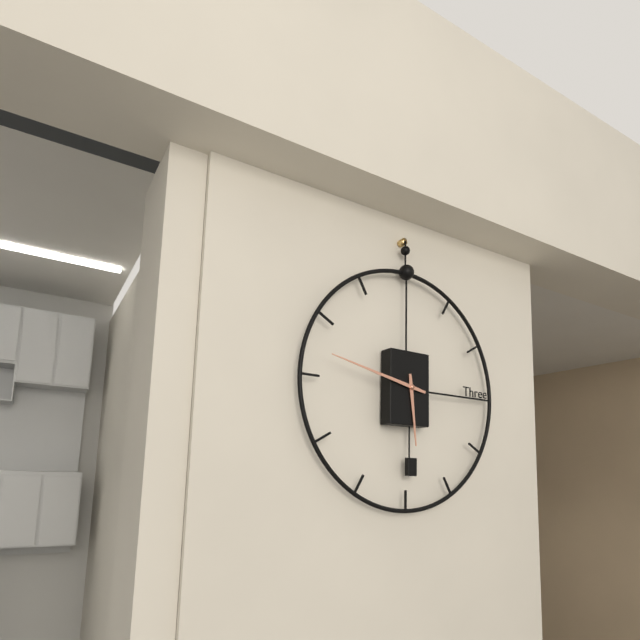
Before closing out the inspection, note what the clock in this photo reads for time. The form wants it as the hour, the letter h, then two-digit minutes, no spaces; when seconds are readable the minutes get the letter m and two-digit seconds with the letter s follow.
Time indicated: 5h47
